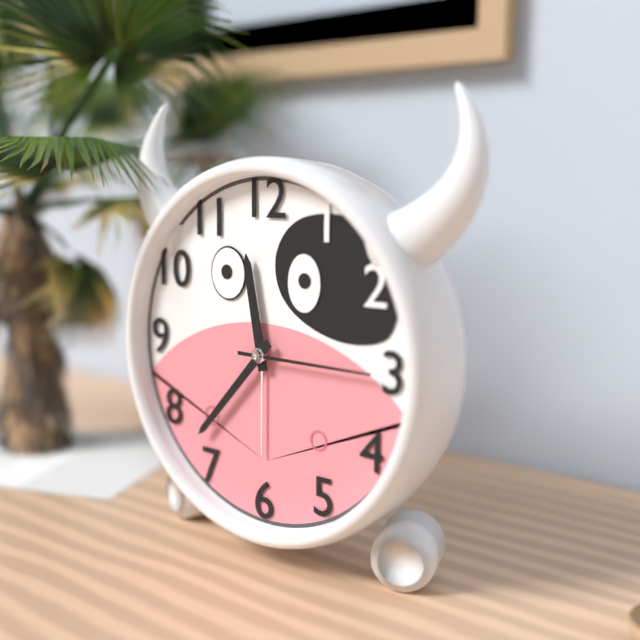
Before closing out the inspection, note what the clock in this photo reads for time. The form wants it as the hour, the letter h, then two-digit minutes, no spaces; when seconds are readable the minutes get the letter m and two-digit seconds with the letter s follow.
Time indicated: 11h37m15s
